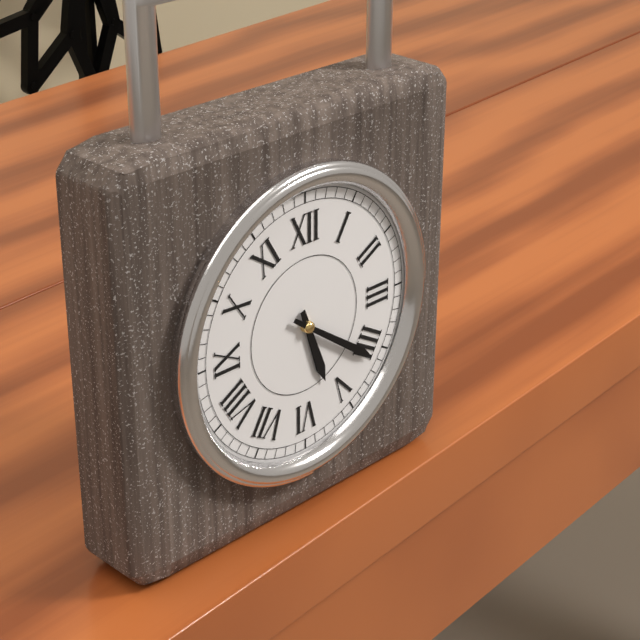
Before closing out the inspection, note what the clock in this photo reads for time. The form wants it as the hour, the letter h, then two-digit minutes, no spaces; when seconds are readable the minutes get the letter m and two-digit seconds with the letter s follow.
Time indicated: 5h21
